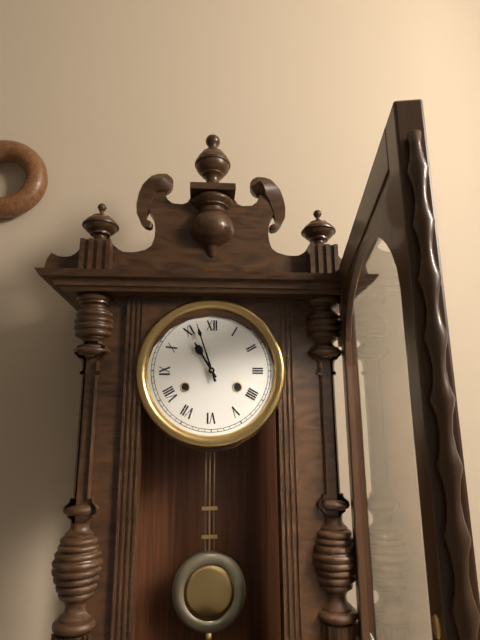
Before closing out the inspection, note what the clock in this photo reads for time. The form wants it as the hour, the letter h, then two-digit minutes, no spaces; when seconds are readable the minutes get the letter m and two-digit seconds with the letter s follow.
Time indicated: 10h57
